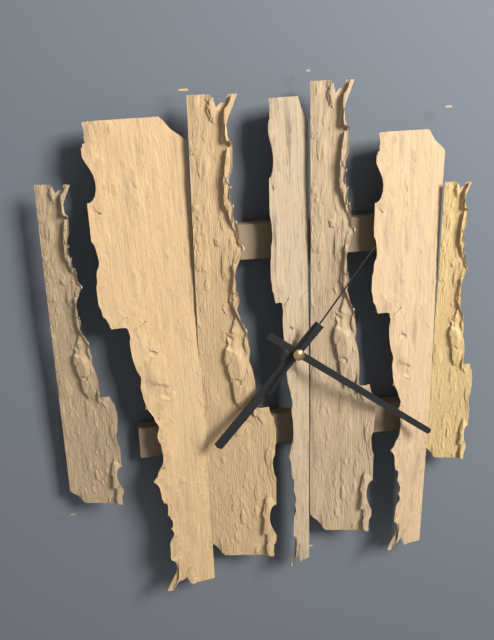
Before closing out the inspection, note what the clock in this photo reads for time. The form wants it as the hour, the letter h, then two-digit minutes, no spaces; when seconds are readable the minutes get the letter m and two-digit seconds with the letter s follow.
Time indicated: 7h21m06s
